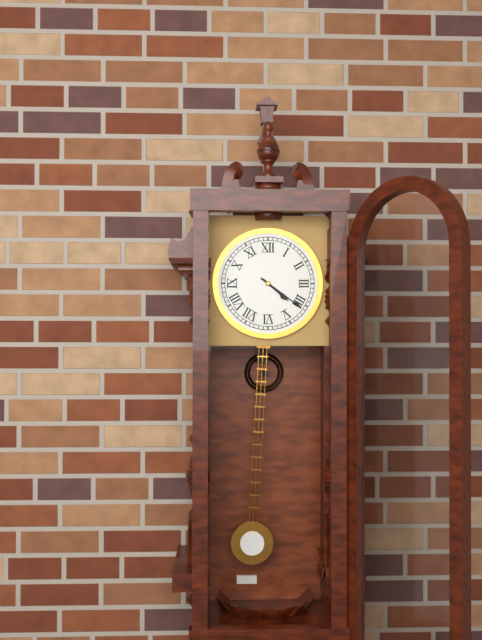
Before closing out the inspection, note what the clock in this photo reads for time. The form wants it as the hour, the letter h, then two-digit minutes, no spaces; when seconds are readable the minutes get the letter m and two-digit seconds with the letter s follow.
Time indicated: 4h21
